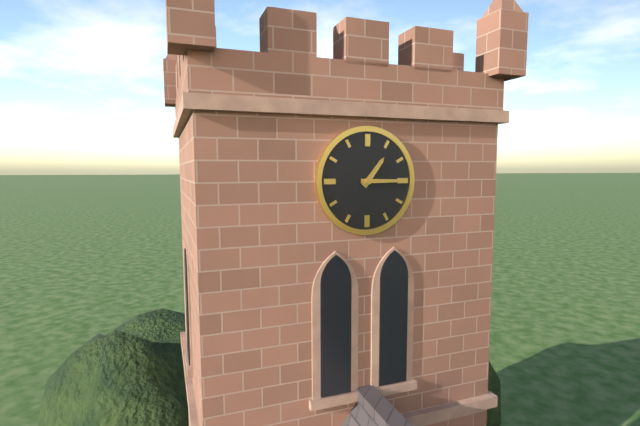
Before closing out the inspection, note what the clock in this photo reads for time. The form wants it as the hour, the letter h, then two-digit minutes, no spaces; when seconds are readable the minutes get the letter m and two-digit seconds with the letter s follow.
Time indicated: 1h15
